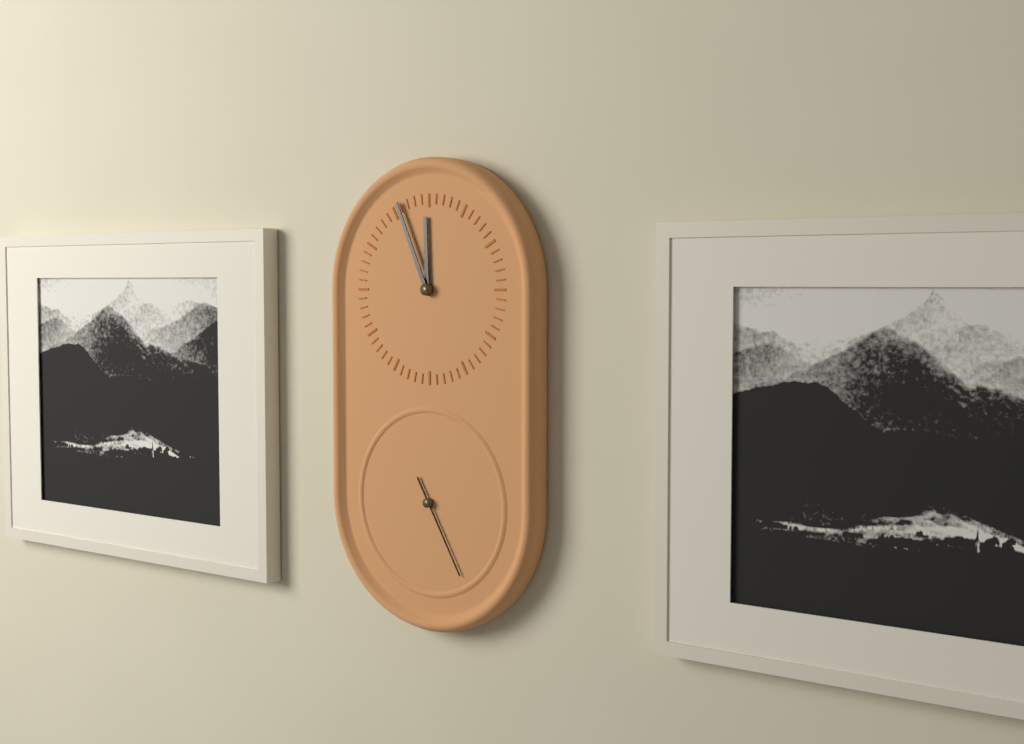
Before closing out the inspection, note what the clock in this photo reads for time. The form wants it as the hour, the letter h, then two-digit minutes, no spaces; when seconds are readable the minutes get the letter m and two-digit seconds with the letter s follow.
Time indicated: 11h56m25s
